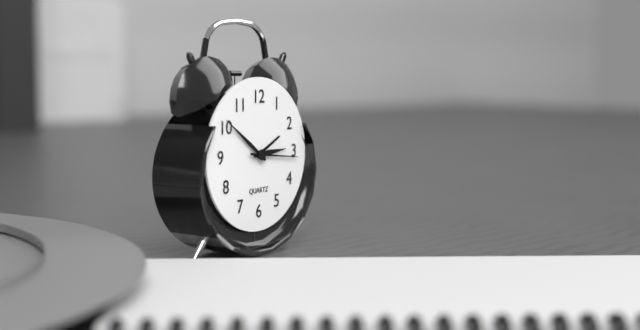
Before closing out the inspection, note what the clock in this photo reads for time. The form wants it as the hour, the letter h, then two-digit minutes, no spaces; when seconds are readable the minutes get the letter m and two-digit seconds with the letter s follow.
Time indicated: 2h51
